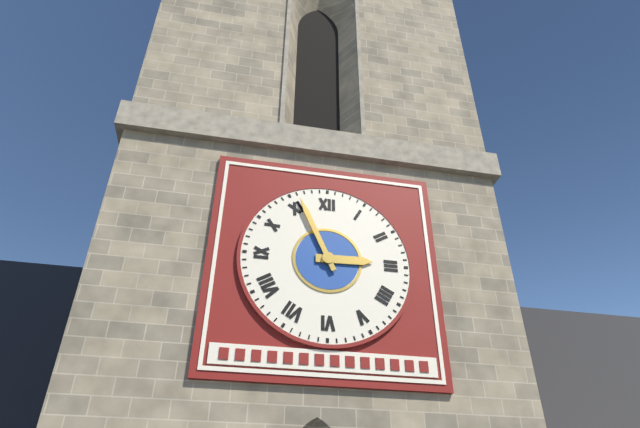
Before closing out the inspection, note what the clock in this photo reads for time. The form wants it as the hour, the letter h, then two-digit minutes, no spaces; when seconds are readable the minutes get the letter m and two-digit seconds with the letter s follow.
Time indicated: 2h56
